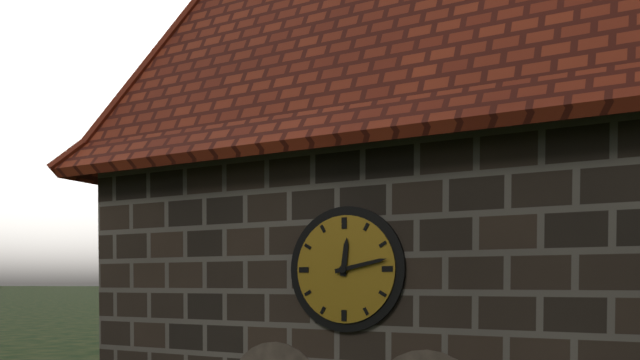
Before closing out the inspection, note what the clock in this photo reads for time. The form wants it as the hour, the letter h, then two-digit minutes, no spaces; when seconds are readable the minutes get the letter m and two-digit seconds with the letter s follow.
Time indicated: 12h13
